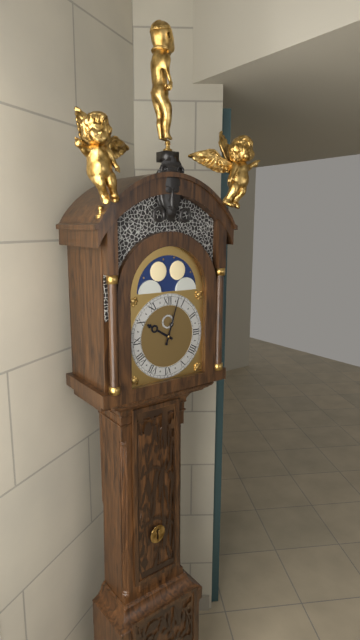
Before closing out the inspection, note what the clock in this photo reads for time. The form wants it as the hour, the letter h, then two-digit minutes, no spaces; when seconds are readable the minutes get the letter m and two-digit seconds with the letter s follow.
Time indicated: 10h03
